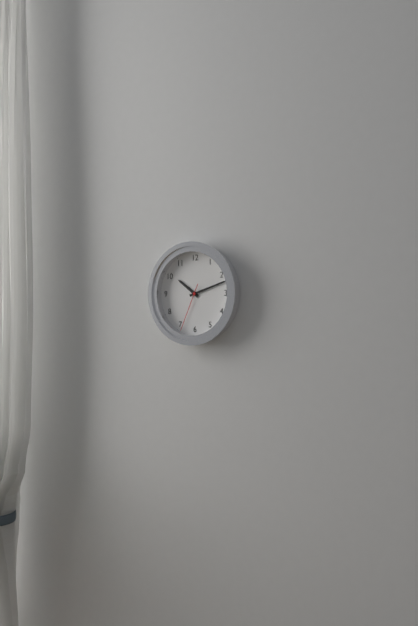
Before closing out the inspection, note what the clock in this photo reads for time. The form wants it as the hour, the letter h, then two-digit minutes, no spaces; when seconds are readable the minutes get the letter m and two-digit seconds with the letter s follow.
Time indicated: 10h12
